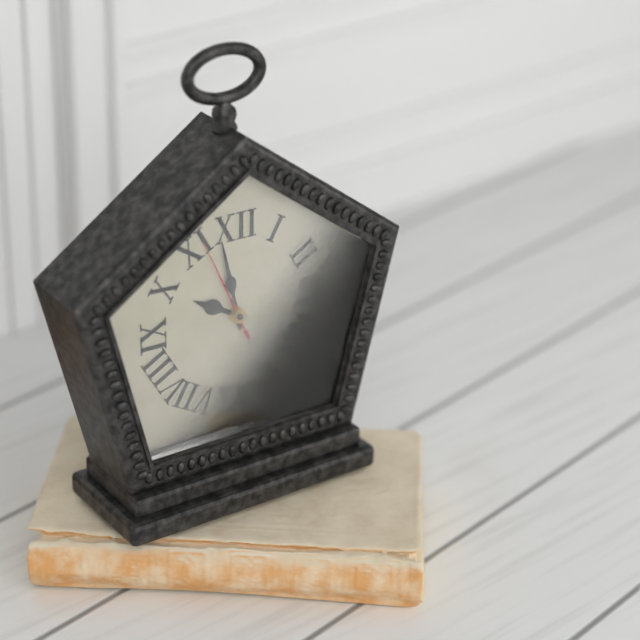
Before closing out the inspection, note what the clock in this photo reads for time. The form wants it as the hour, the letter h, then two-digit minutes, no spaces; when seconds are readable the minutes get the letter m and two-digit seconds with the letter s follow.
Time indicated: 9h58m56s
